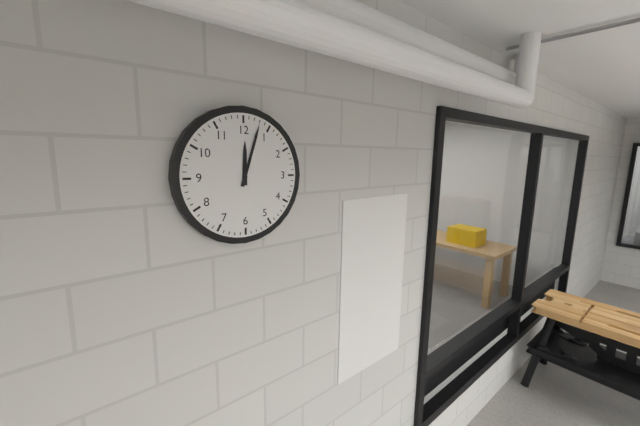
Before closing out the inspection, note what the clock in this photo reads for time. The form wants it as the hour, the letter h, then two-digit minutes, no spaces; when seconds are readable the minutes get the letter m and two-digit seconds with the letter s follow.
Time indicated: 12h03
